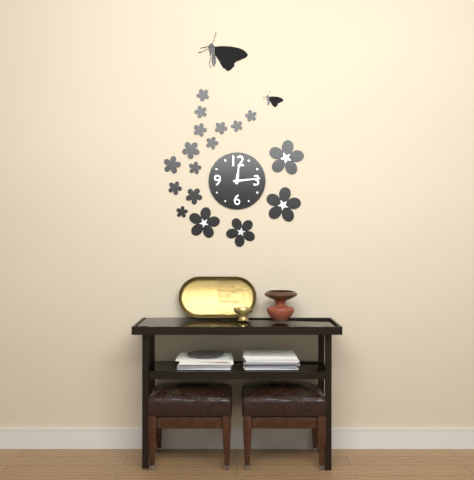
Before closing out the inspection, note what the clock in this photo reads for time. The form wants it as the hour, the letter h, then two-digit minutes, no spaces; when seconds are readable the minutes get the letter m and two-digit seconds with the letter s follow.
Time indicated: 12h14
